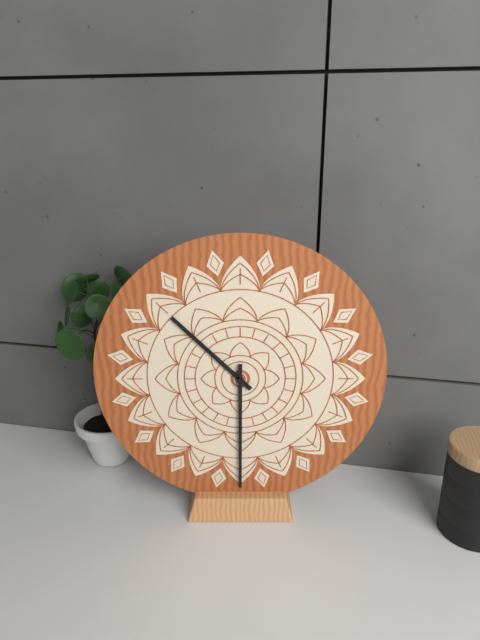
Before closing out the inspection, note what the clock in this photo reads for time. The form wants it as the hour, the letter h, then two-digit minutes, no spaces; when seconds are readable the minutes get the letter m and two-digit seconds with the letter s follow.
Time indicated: 10h30
